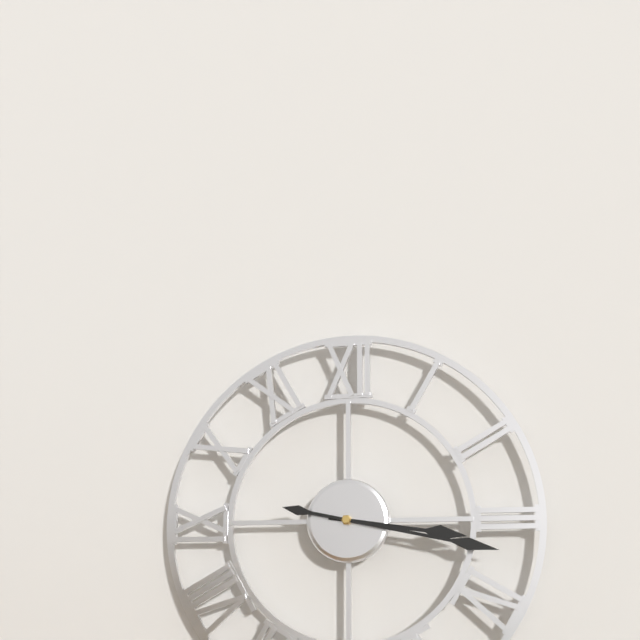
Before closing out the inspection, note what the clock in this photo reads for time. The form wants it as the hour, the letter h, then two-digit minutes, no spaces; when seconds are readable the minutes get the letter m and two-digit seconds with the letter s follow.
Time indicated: 3h17
